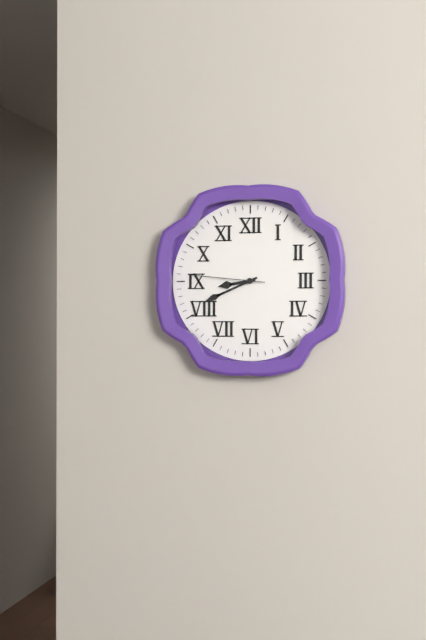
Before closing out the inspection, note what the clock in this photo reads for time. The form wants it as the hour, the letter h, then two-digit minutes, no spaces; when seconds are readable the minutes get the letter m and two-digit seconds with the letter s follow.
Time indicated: 8h41m46s
